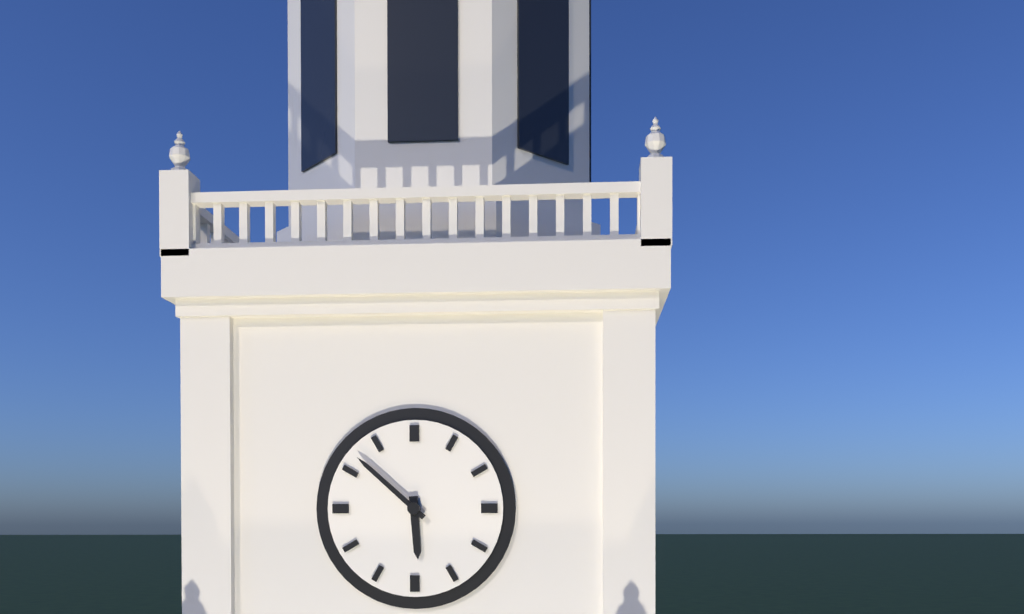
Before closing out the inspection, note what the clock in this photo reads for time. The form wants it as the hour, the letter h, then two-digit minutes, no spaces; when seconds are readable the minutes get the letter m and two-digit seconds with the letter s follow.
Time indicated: 5h52
